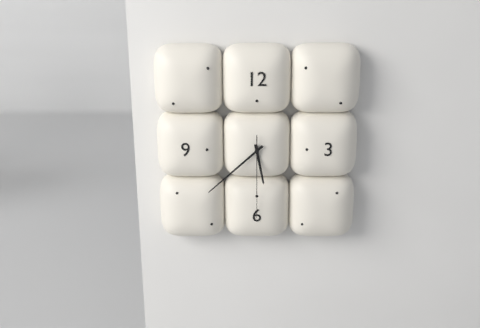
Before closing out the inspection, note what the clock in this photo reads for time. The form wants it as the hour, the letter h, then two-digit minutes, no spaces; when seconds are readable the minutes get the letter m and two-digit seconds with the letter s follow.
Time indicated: 5h38m30s
